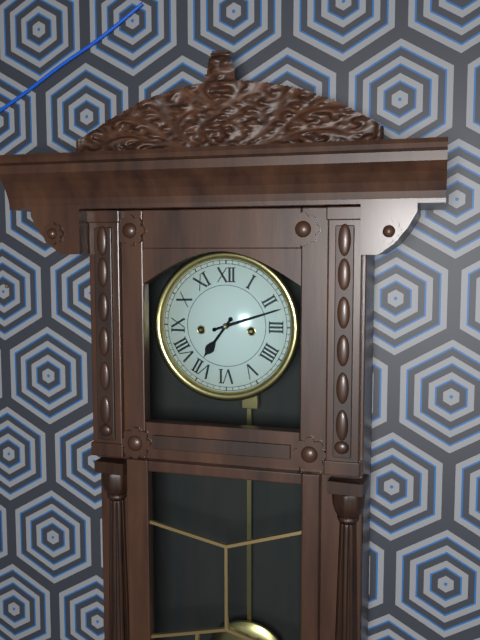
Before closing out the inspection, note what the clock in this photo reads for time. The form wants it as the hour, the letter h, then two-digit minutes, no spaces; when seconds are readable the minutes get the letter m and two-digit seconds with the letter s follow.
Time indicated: 7h12
